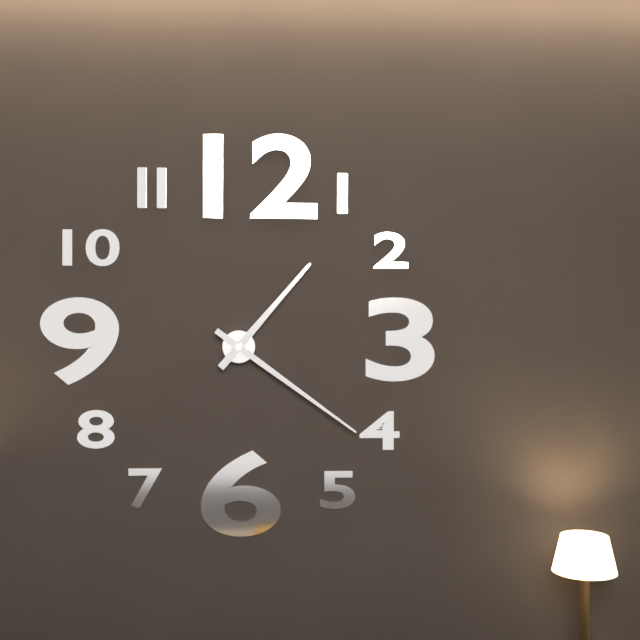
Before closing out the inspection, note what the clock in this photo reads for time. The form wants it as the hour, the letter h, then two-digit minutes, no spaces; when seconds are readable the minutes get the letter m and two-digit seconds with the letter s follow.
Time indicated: 1h21
